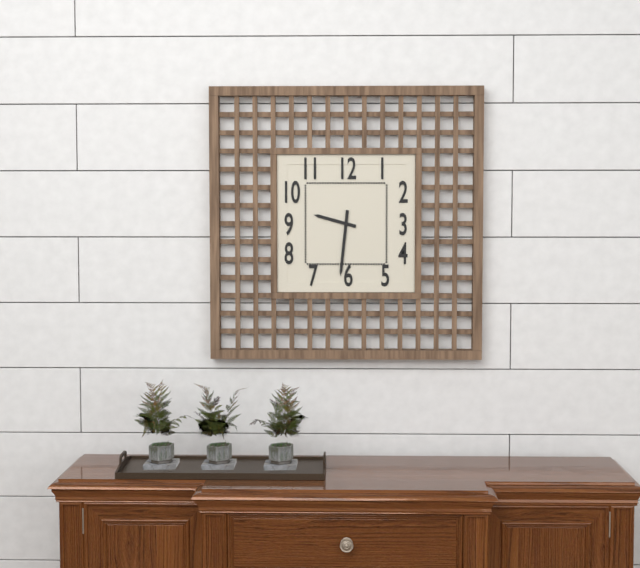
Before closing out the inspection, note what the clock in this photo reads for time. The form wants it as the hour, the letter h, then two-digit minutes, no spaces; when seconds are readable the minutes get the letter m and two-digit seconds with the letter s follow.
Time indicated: 9h31
